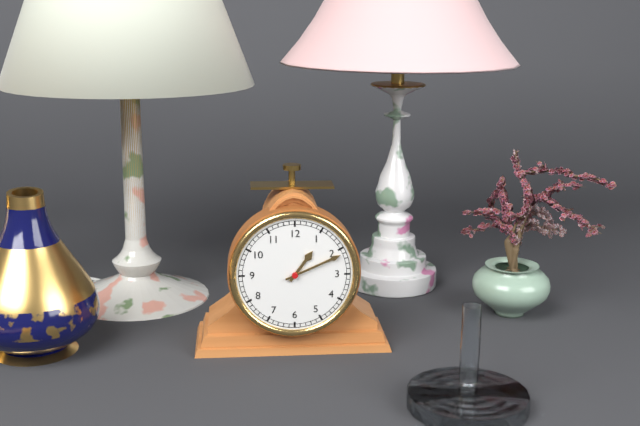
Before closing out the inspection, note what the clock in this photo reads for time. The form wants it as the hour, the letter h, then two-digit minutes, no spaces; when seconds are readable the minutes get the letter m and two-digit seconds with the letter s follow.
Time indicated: 1h11
